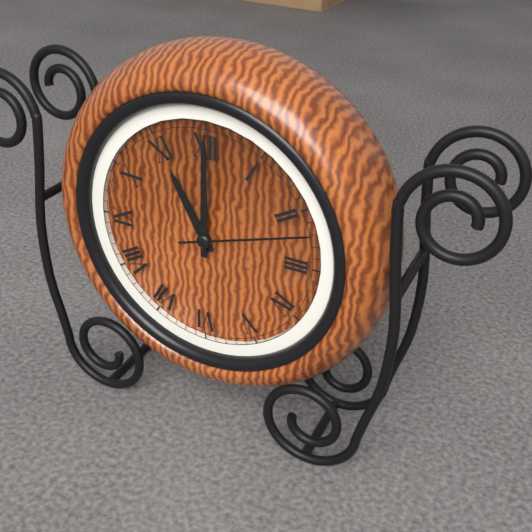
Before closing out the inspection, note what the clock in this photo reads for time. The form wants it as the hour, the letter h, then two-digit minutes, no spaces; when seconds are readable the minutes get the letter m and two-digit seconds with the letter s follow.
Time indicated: 11h00m12s
